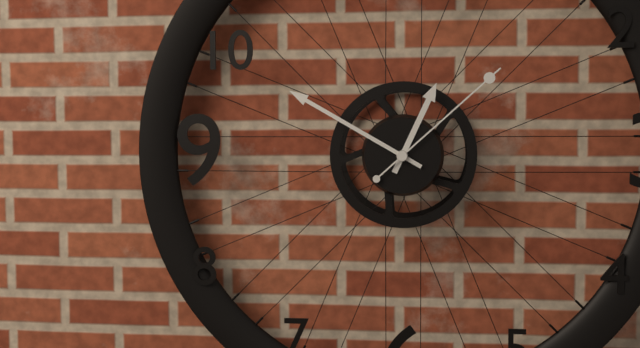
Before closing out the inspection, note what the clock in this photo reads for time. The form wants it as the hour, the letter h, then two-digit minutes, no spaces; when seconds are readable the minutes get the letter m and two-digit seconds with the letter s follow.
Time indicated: 12h50m08s
